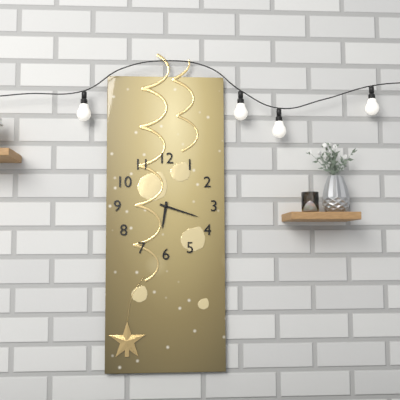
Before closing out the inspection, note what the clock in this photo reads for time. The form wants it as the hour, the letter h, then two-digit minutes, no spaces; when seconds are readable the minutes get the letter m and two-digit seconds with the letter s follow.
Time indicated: 6h18
